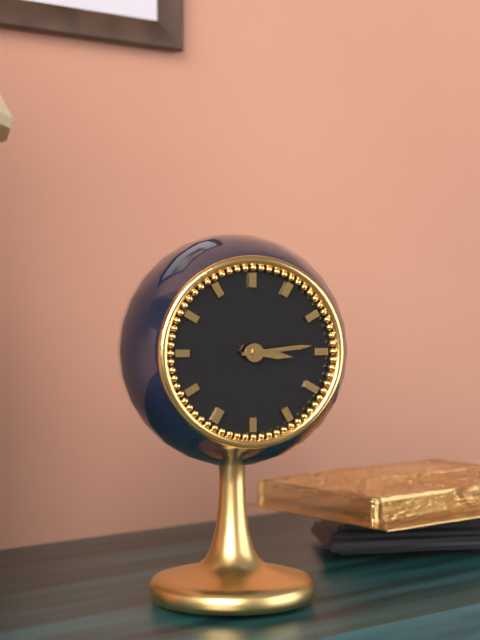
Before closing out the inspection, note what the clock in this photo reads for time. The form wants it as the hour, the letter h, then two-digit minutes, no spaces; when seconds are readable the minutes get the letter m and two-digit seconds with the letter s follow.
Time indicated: 3h14
